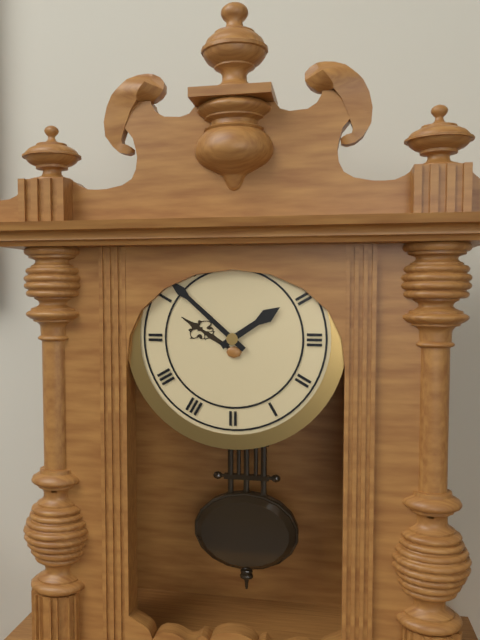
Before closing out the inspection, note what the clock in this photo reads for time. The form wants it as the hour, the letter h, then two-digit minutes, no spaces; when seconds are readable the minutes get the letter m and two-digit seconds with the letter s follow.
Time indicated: 1h52
